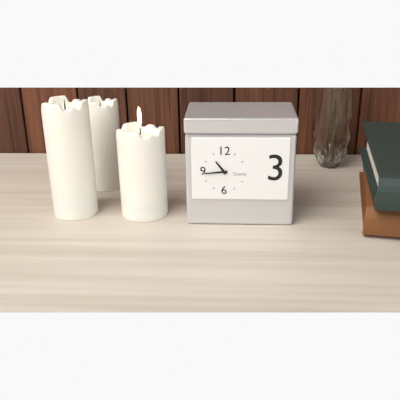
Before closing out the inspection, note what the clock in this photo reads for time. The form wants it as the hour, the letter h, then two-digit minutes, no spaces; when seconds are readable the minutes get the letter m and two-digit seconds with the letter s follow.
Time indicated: 10h44
